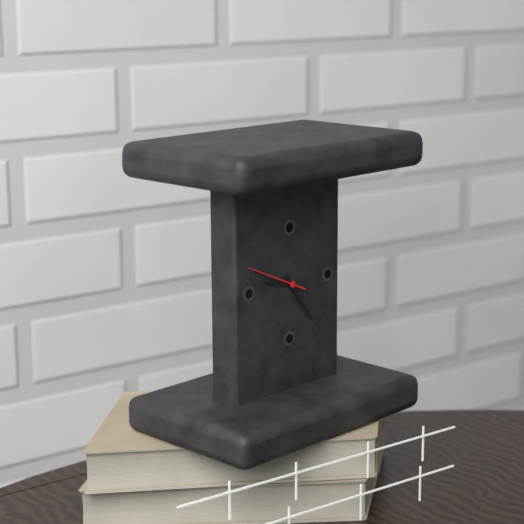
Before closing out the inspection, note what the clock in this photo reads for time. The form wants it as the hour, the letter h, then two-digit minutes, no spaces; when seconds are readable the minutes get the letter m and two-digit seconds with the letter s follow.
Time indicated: 9h24m49s
